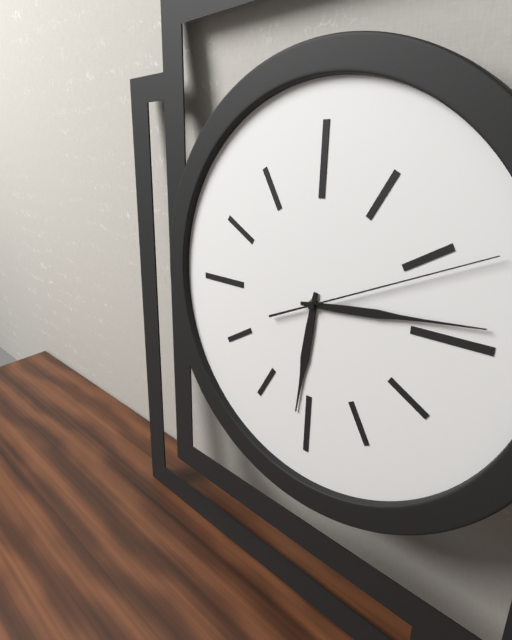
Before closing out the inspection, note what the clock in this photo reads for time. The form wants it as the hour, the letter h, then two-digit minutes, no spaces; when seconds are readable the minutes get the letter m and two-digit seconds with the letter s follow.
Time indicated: 6h14m11s
